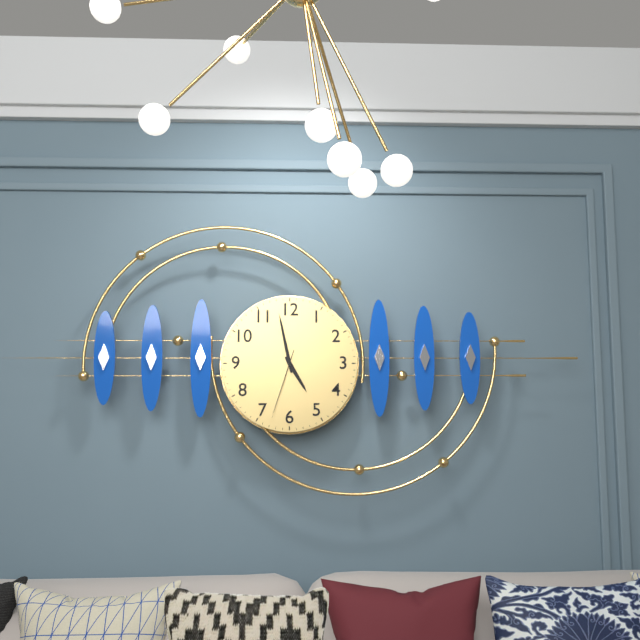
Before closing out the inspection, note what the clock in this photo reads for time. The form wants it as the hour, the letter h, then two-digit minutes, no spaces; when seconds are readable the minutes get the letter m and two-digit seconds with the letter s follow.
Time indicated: 4h58m33s
